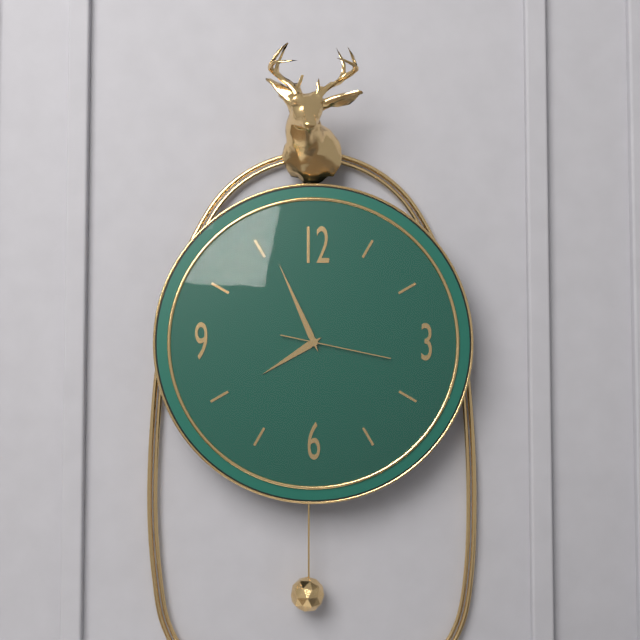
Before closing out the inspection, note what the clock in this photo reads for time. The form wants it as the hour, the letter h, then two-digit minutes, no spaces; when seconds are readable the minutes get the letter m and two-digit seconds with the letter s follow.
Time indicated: 7h56m17s
